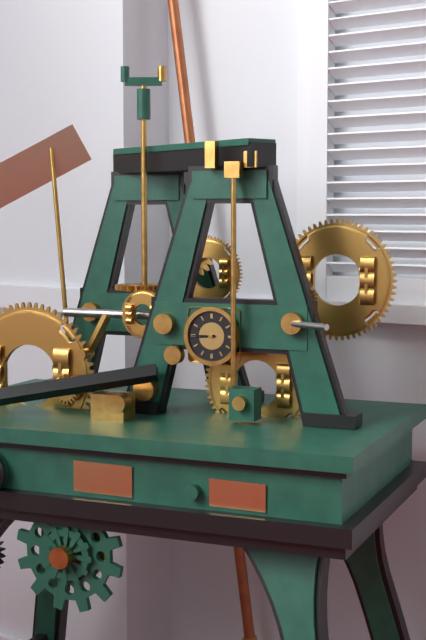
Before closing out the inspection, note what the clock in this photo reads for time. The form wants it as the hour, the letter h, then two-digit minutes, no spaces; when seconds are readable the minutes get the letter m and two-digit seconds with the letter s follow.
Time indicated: 8h45
